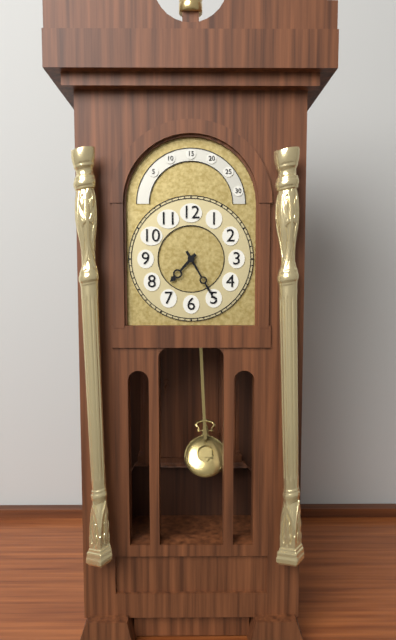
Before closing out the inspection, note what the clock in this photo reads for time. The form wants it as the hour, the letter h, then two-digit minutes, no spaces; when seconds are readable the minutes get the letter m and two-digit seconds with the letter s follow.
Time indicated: 7h25
